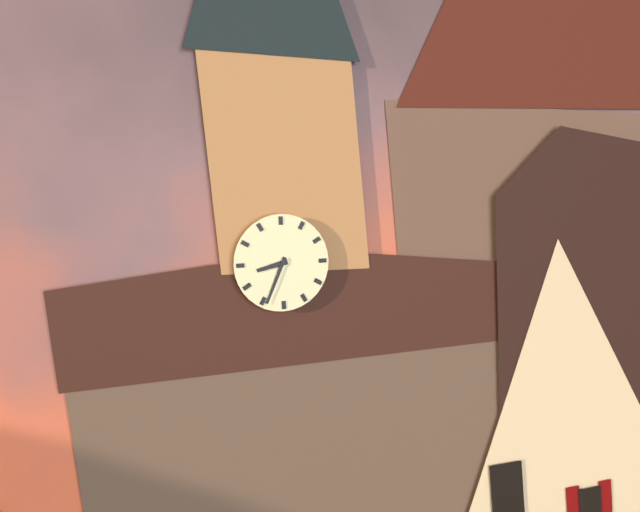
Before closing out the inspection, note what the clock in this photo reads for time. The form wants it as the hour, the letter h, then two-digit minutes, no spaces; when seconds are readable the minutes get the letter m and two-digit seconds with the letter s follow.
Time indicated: 8h34
